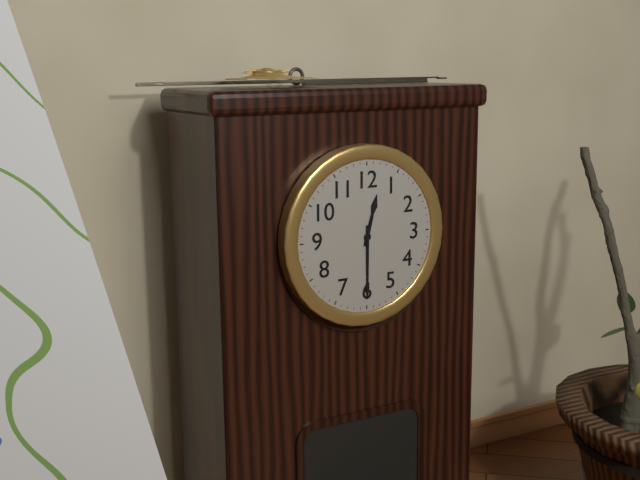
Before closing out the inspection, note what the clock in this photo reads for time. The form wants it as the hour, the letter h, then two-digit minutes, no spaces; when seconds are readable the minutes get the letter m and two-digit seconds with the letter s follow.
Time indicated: 12h30
